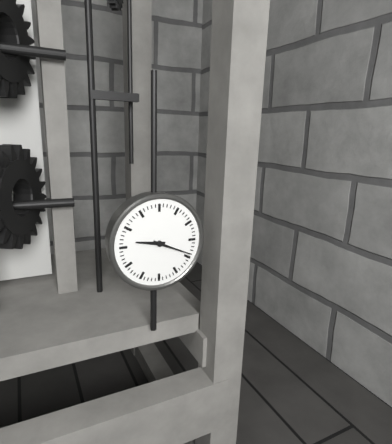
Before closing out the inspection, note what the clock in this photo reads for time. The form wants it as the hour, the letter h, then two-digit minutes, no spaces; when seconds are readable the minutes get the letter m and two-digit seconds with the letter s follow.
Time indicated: 9h19
